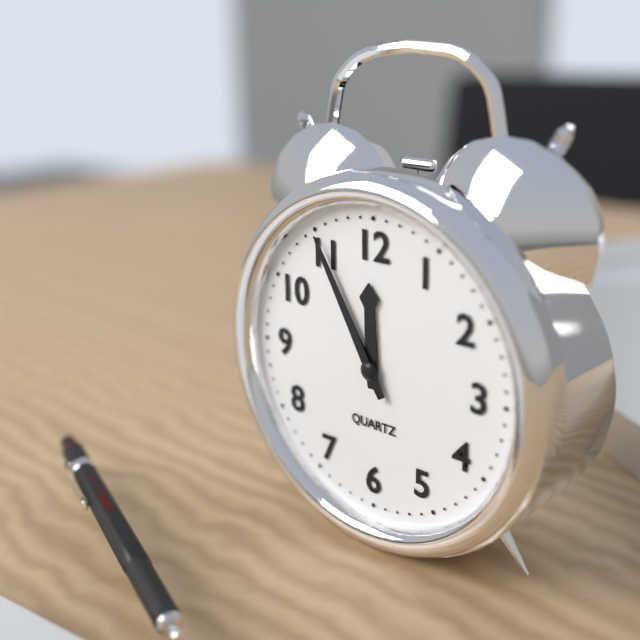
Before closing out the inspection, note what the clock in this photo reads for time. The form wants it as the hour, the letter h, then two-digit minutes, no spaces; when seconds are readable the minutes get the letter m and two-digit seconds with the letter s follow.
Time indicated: 11h55
